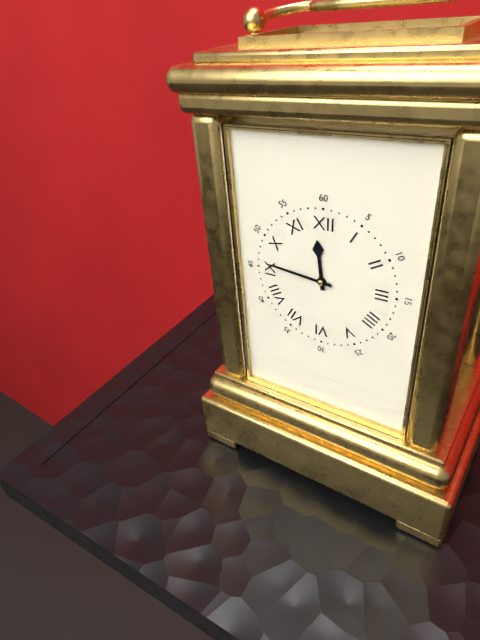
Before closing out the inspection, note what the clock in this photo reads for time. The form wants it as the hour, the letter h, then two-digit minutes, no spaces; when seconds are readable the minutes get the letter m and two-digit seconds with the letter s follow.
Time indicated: 11h46
